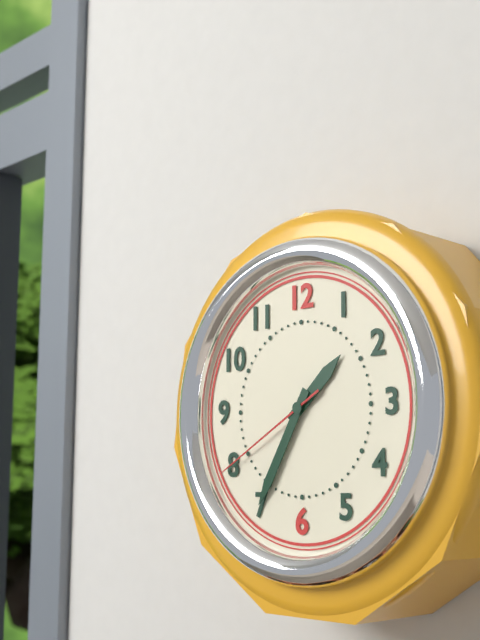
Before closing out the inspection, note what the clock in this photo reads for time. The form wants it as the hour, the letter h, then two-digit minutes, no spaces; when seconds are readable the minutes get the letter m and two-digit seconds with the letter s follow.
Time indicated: 1h35m40s
